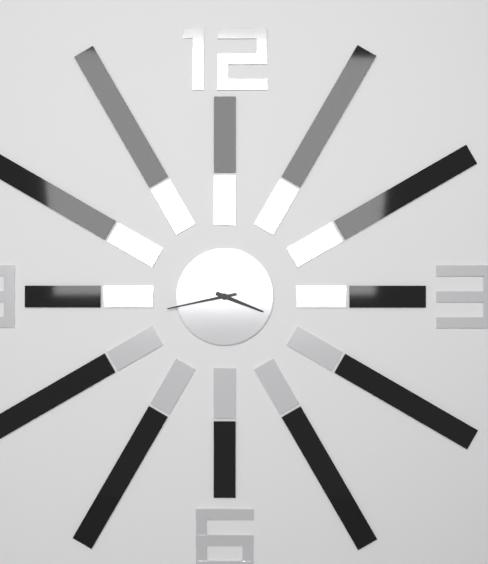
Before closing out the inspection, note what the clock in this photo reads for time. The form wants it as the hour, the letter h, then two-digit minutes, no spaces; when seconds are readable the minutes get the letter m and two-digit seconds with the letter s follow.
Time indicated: 3h43
